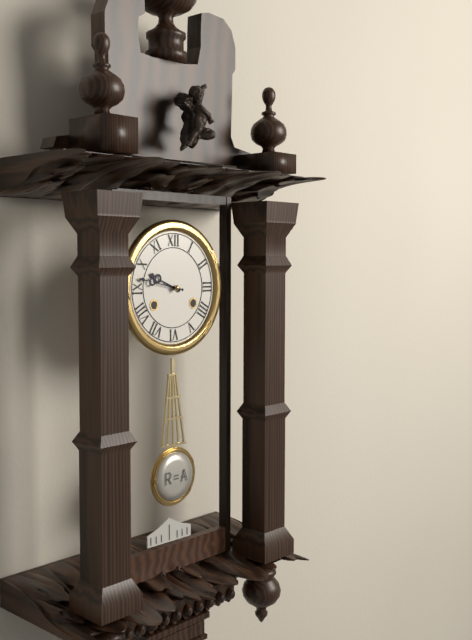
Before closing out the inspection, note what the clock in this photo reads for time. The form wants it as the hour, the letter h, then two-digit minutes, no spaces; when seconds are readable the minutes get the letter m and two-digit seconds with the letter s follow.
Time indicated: 9h47
